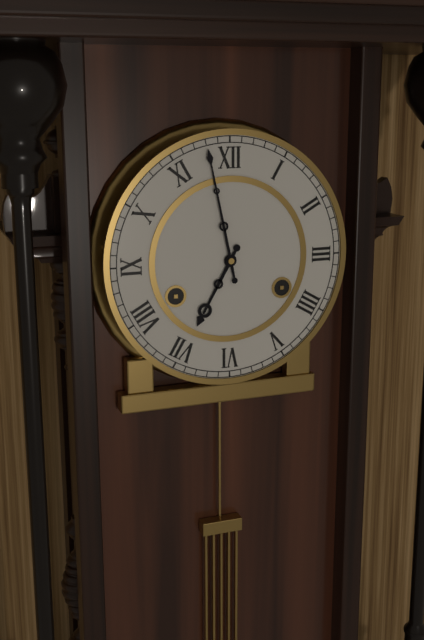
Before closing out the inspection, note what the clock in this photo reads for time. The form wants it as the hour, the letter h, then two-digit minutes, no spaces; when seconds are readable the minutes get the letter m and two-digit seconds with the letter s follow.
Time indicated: 6h58
